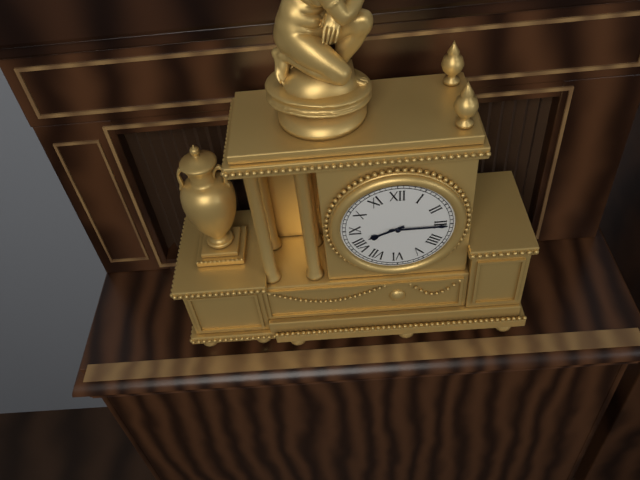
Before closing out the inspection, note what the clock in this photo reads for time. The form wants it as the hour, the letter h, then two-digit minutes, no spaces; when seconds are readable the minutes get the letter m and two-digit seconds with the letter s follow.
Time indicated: 8h15
